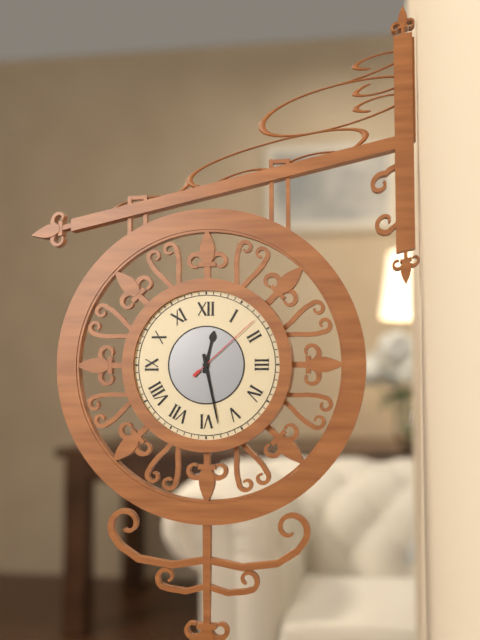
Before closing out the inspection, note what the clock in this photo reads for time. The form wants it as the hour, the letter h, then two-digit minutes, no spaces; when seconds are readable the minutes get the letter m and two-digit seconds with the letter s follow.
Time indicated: 12h28m08s
